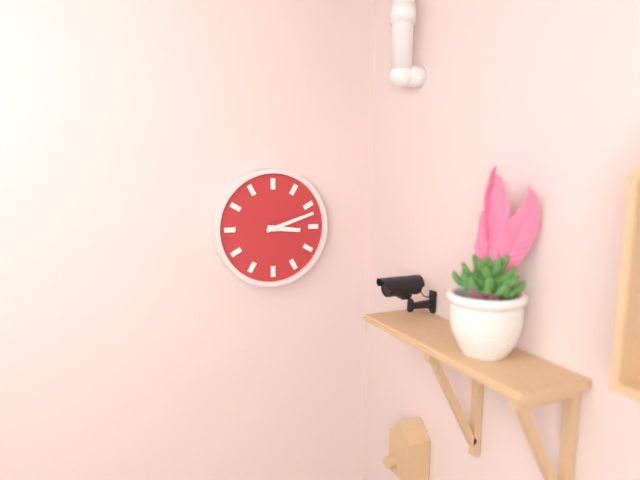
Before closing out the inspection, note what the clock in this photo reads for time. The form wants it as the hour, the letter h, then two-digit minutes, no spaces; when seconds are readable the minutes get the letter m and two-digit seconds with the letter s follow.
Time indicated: 3h12
